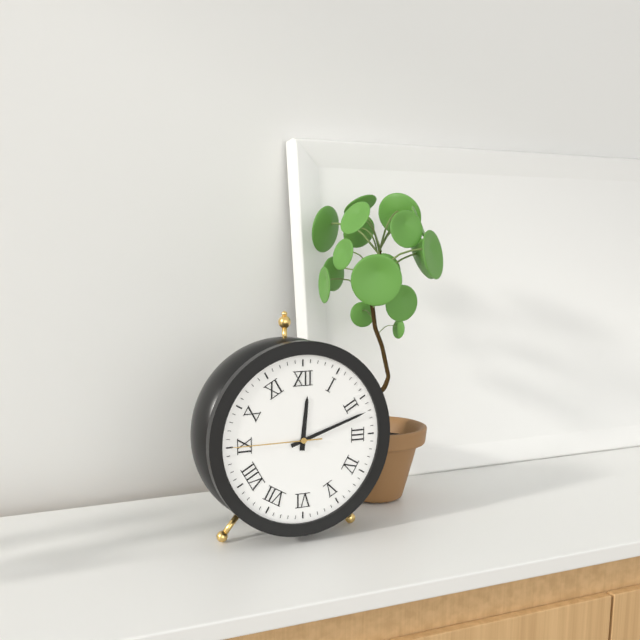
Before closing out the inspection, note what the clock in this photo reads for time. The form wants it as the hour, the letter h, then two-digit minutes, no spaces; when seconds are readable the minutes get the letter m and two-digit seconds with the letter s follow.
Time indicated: 12h12m45s
